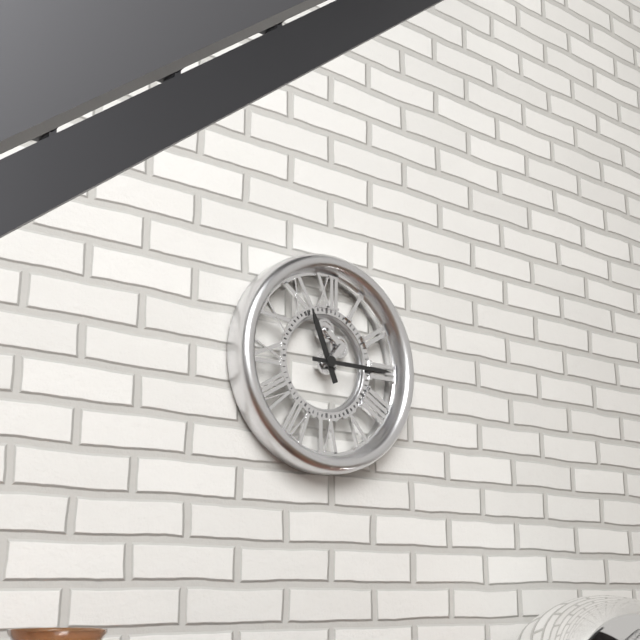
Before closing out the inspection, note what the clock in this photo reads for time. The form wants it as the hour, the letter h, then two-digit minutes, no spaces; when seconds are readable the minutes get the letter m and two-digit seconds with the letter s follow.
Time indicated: 11h15
